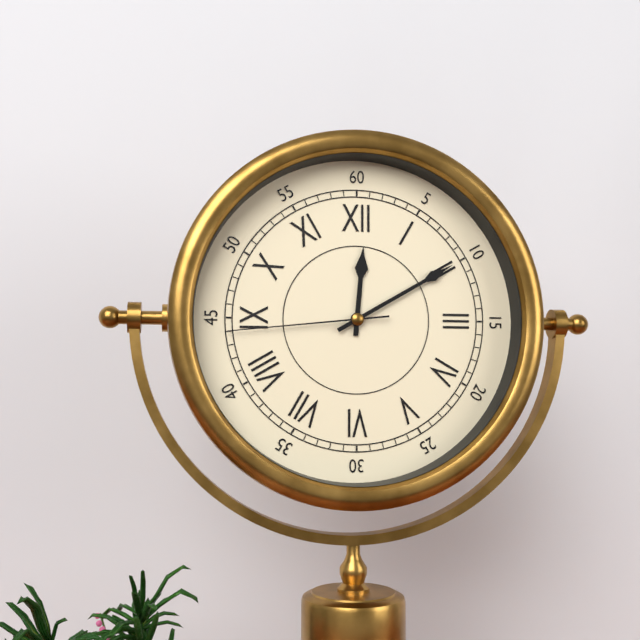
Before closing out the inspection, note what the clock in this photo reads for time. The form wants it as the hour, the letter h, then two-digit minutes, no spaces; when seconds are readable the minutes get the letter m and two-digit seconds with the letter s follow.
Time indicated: 12h10m44s
